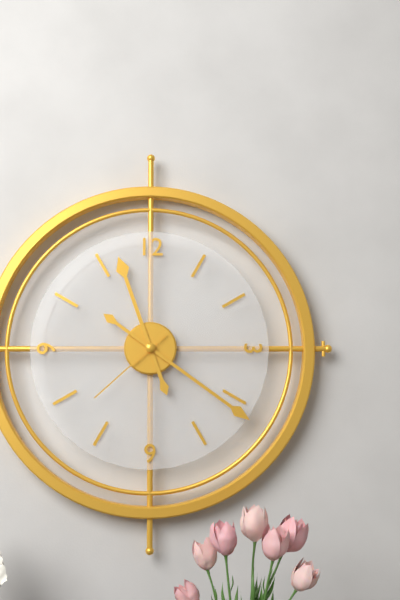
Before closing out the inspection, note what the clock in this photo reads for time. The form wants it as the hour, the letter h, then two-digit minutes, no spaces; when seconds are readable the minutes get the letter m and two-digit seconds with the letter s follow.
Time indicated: 11h21m38s
